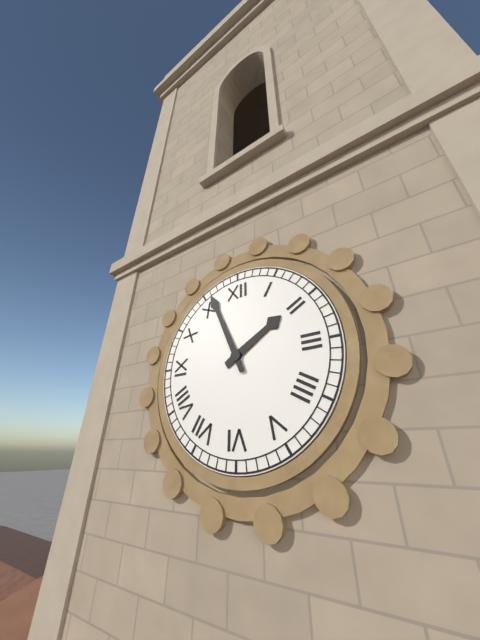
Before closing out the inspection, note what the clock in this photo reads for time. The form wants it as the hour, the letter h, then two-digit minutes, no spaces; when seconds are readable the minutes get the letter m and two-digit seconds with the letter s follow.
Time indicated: 1h56
